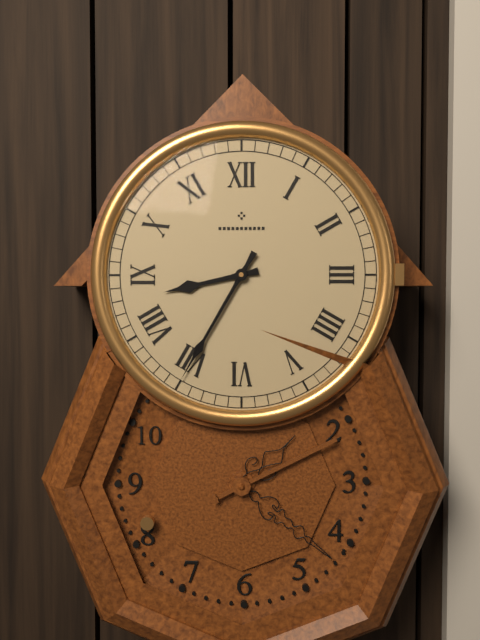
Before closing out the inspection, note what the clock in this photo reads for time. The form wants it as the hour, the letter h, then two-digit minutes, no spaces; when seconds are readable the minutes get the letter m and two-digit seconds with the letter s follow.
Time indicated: 8h35
